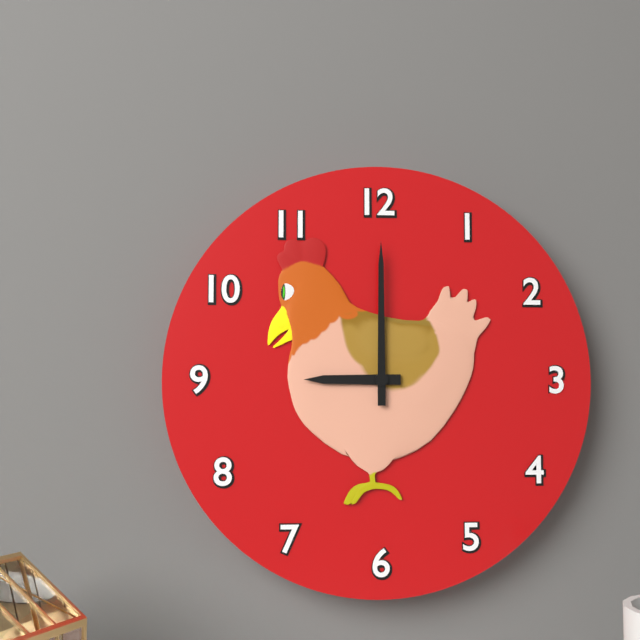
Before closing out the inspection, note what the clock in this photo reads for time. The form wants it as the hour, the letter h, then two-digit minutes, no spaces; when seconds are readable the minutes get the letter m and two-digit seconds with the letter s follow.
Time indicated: 9h00
